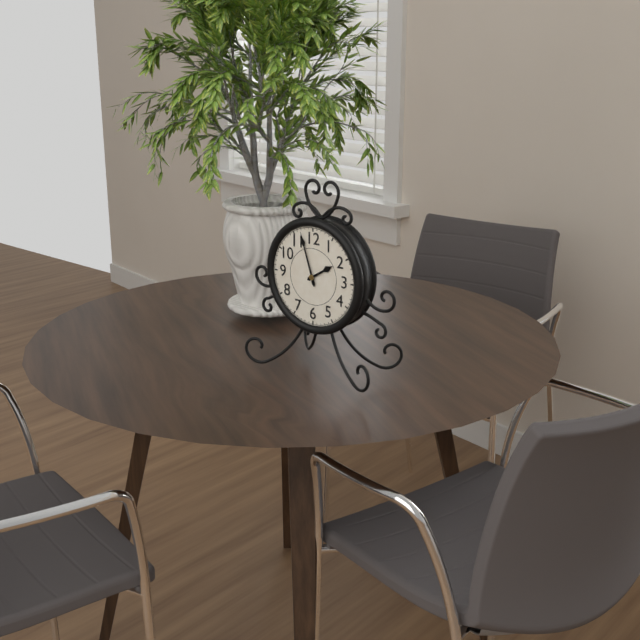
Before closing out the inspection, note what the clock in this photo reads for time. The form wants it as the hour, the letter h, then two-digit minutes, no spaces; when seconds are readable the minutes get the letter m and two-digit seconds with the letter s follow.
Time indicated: 1h57
